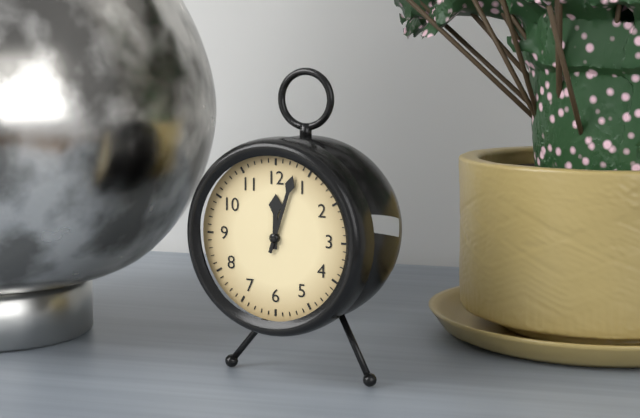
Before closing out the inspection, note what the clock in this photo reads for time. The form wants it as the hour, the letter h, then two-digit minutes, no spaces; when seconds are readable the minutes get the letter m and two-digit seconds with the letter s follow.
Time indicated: 12h03
